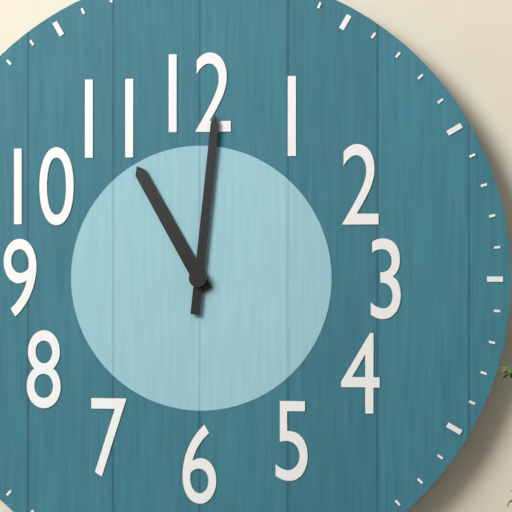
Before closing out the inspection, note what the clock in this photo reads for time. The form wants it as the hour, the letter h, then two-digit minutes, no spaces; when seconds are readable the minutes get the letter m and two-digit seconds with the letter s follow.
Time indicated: 11h01
